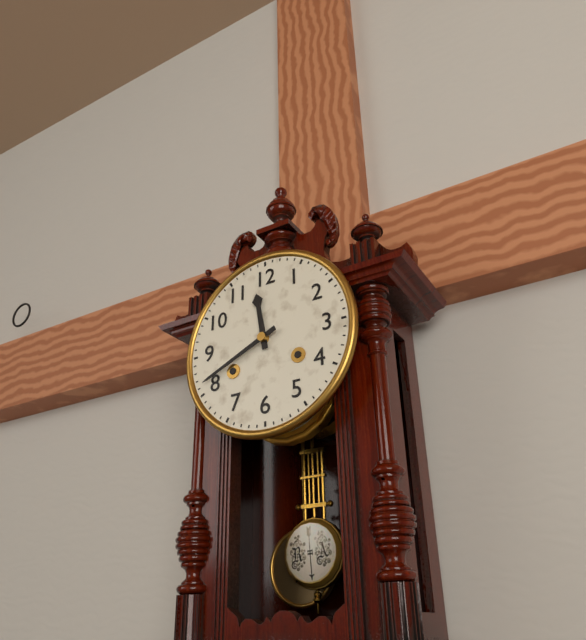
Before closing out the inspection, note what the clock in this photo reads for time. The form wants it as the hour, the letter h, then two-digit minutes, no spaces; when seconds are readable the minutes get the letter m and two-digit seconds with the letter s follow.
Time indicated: 11h41
